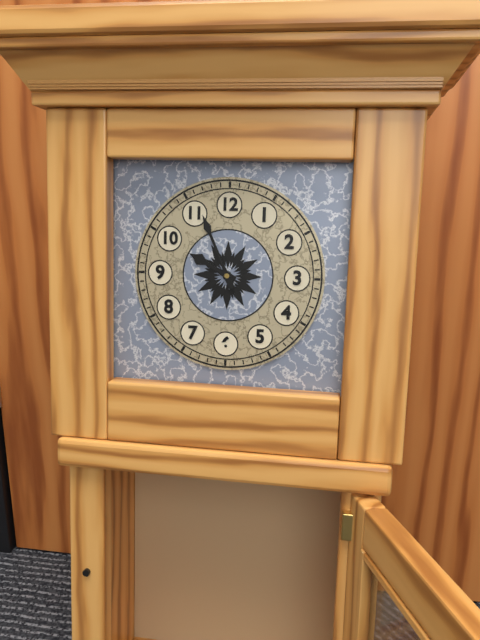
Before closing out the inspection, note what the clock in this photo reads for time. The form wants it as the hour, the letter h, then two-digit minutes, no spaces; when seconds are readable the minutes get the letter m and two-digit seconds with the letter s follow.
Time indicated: 9h56
